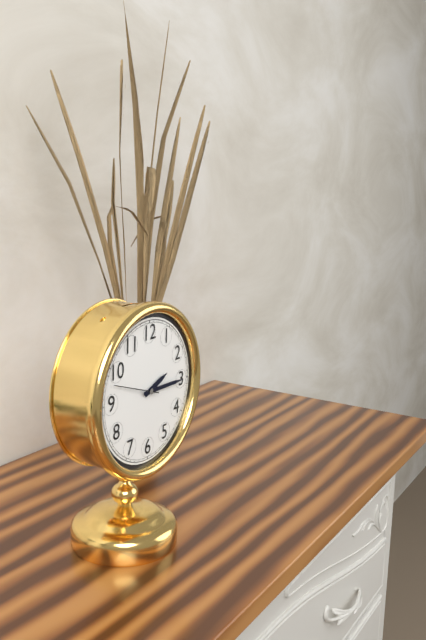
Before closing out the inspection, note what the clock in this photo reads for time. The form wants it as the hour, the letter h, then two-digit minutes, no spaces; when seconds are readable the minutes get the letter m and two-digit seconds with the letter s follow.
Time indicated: 2h15
